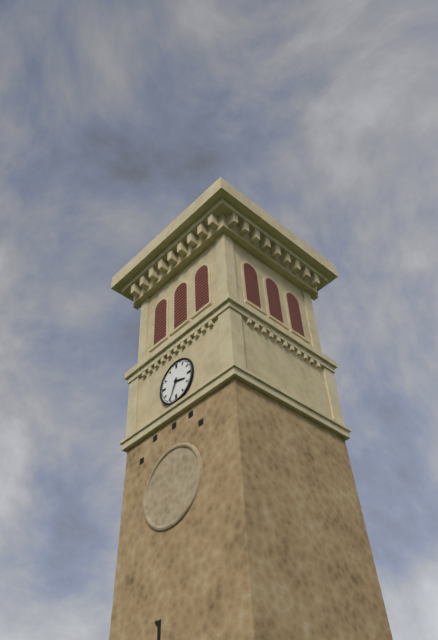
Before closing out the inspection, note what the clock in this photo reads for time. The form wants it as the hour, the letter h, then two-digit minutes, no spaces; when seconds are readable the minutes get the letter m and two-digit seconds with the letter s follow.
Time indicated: 3h34
